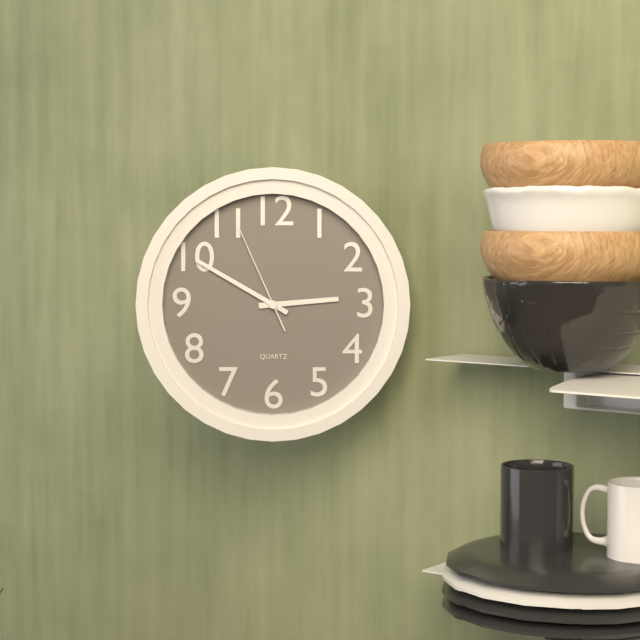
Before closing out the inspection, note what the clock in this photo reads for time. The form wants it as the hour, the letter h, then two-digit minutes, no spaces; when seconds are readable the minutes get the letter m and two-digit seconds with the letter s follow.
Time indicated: 2h50m56s
